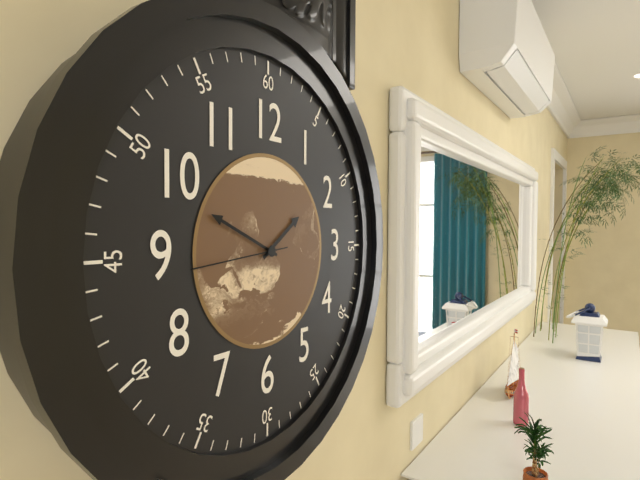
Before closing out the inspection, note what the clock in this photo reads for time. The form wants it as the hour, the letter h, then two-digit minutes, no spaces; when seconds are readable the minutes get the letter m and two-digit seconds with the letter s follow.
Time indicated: 1h49m44s
